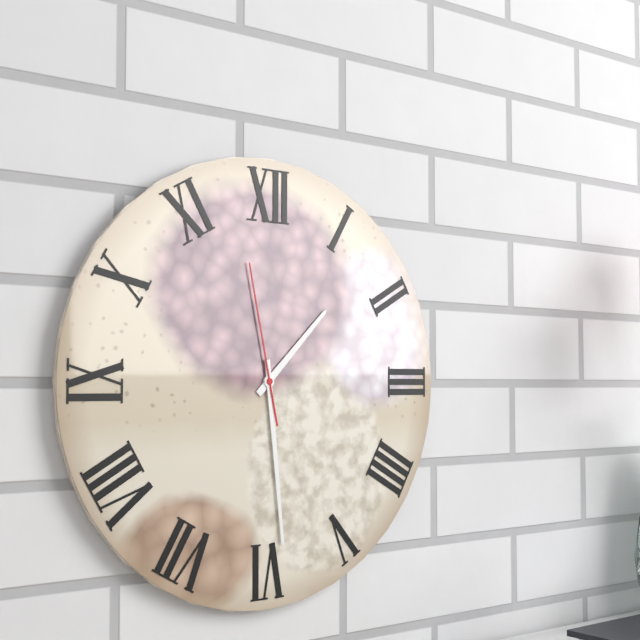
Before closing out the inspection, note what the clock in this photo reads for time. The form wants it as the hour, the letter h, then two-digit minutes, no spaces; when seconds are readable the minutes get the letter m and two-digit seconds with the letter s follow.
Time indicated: 1h29m58s
